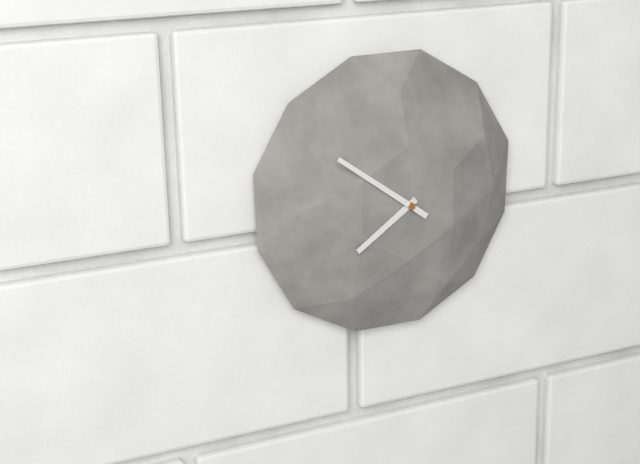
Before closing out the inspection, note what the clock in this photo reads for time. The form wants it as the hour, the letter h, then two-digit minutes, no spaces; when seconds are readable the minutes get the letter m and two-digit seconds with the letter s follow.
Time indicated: 7h51
